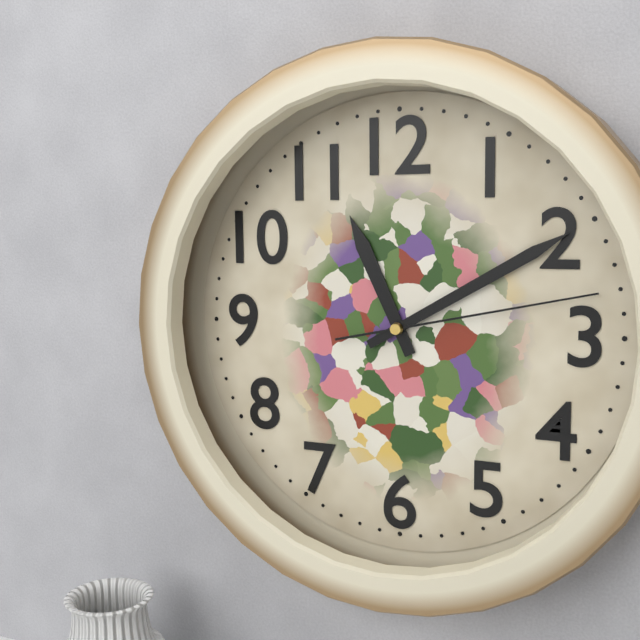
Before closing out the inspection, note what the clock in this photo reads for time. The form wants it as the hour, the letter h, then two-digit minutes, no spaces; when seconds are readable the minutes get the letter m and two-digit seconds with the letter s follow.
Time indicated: 11h10m13s
